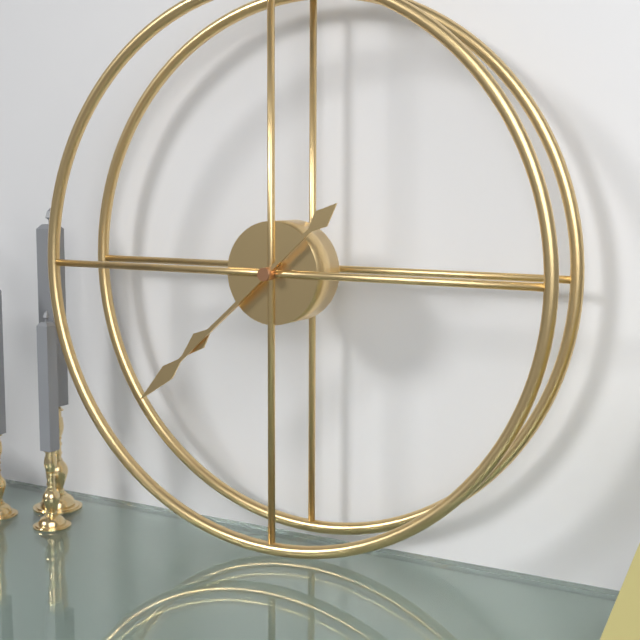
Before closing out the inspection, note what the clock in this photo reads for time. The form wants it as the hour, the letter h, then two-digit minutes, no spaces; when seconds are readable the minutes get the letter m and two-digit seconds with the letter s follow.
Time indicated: 7h38
